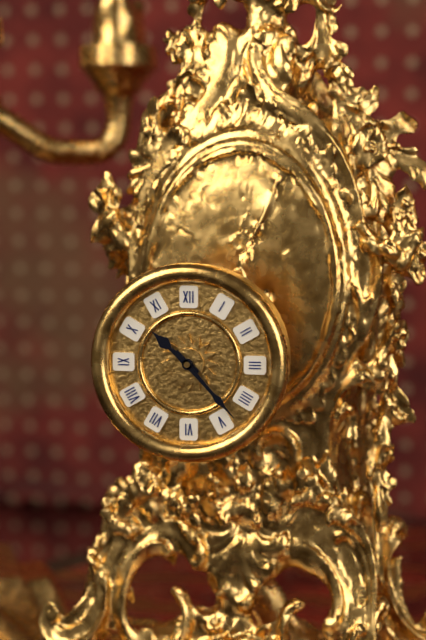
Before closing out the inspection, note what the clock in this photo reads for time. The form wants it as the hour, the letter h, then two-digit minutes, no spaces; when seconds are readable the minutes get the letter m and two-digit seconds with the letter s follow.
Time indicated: 10h23
